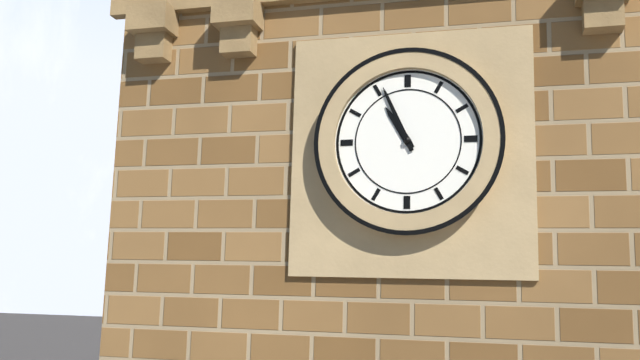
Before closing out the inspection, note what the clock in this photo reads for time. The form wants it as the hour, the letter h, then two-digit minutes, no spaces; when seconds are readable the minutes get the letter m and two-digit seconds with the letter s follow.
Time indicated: 10h56
